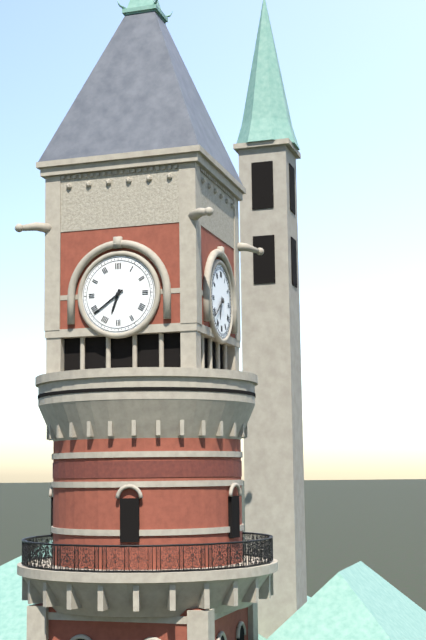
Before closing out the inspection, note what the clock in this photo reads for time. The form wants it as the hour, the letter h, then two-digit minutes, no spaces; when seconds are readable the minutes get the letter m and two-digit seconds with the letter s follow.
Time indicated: 6h39
